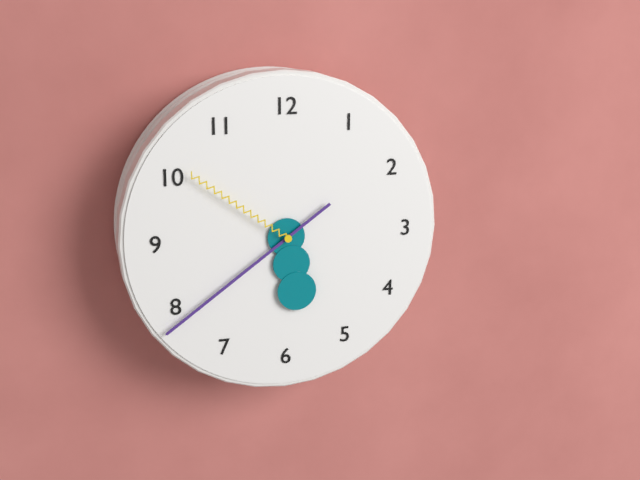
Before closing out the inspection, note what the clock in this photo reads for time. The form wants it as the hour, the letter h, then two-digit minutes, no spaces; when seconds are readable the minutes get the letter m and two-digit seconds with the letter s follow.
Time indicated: 5h39m51s
